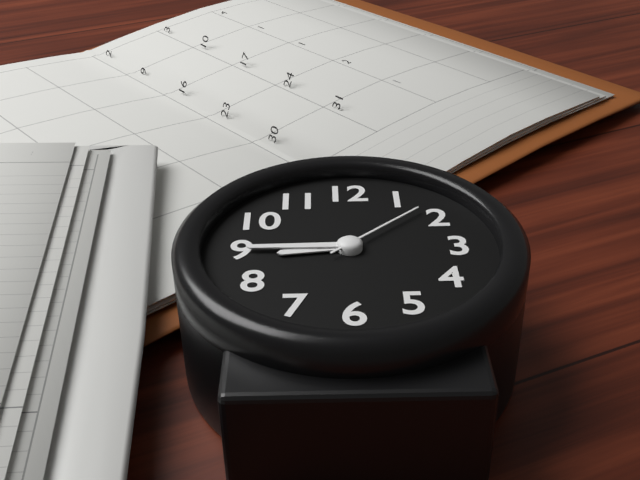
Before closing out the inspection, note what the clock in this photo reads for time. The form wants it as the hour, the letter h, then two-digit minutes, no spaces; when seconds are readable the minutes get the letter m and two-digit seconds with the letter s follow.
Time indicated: 8h45m08s
